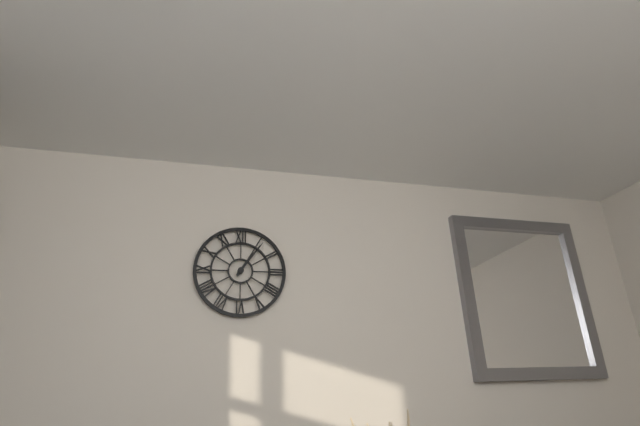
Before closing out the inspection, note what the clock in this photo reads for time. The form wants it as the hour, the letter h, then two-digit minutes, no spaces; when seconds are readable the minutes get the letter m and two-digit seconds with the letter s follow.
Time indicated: 1h06
